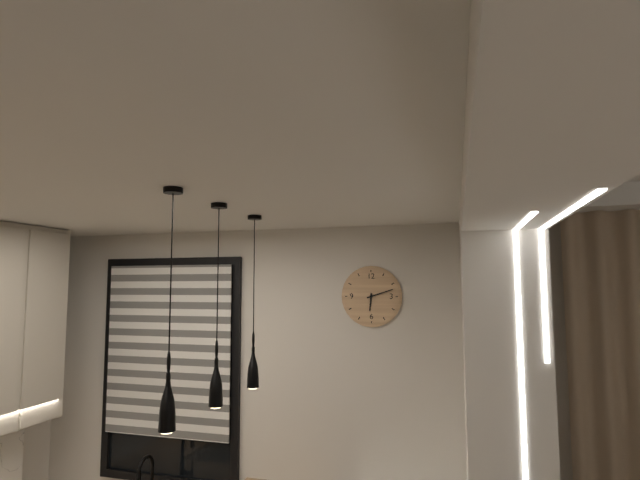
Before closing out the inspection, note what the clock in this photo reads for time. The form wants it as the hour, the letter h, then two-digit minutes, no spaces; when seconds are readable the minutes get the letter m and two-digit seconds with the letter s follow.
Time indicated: 6h12
